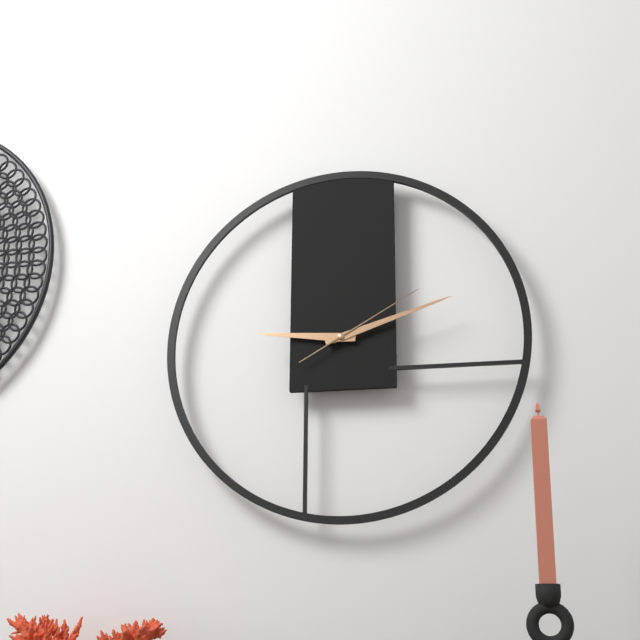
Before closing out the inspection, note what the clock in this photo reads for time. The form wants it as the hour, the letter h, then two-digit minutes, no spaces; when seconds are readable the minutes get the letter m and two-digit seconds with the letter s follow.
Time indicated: 9h12m10s
